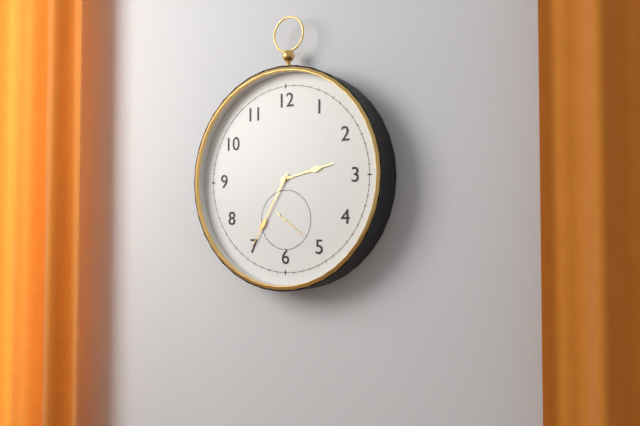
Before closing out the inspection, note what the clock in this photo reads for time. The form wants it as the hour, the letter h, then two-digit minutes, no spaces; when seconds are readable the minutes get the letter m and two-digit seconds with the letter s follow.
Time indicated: 2h35
